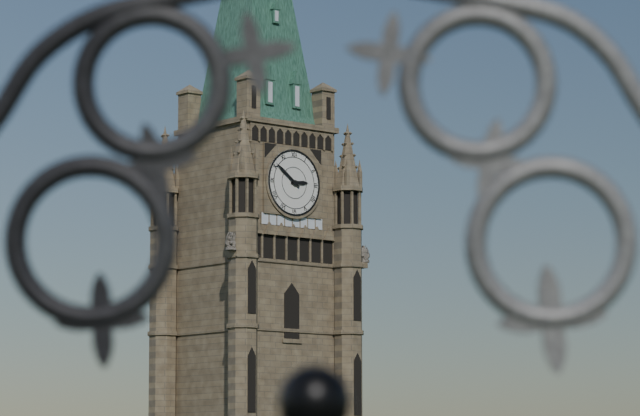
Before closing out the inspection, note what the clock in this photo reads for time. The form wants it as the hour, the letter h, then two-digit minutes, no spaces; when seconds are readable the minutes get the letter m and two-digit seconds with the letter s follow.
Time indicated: 2h51
